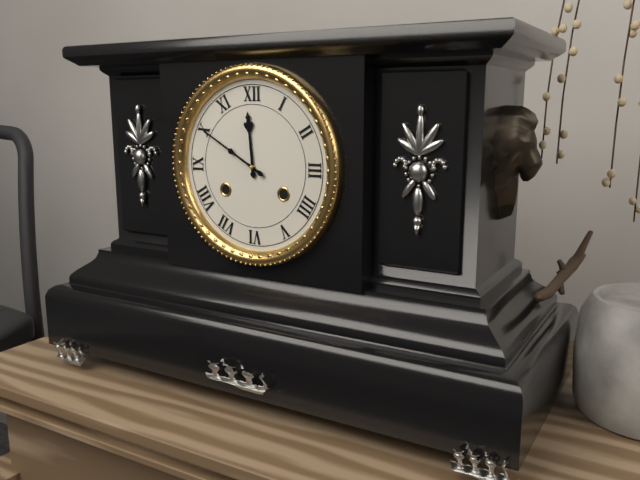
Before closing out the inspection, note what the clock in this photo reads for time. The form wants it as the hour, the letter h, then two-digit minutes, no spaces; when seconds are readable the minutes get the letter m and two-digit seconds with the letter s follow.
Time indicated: 11h50
